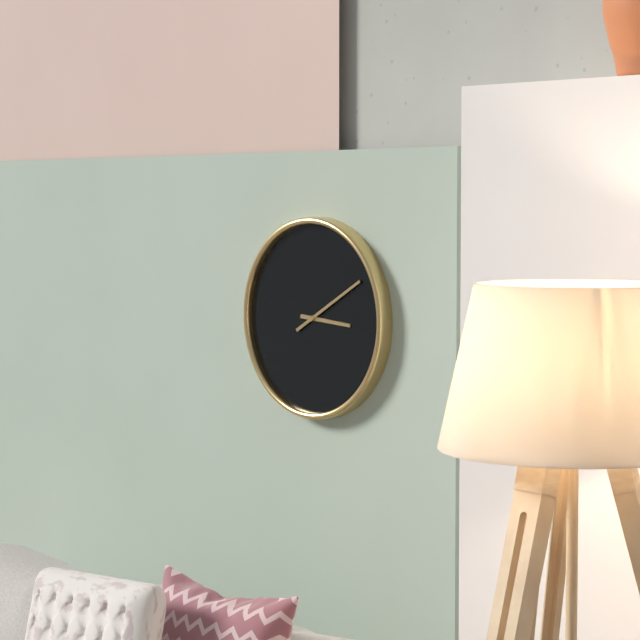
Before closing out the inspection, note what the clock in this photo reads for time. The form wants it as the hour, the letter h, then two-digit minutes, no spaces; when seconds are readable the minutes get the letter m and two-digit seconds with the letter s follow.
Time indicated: 3h10
